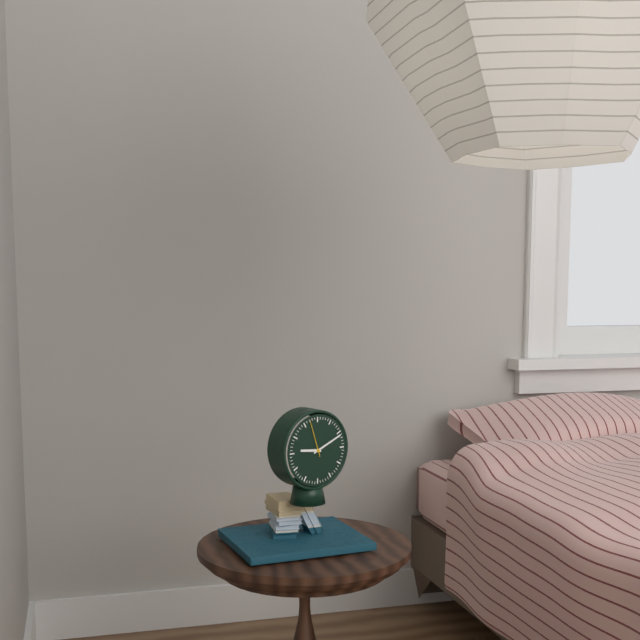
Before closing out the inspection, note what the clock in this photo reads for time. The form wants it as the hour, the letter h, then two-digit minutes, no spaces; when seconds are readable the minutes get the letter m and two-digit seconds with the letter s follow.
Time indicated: 9h11
